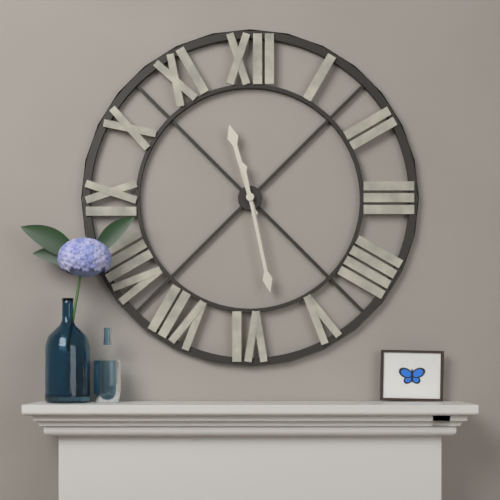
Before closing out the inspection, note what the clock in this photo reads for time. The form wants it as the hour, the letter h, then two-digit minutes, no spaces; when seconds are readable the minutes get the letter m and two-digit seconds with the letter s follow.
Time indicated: 11h28
